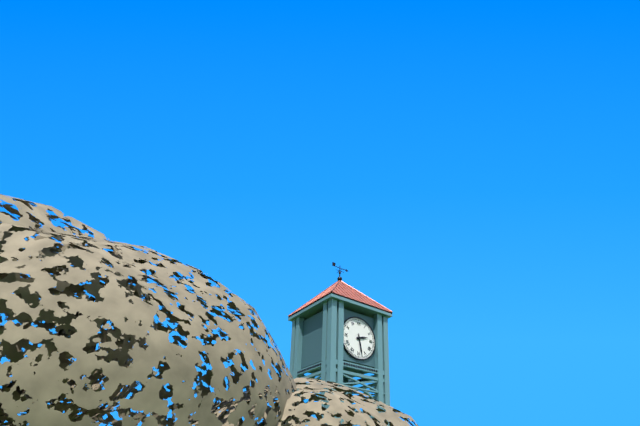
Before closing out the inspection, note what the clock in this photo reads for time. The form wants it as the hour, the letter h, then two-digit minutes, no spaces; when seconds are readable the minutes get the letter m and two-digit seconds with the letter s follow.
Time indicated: 2h28
